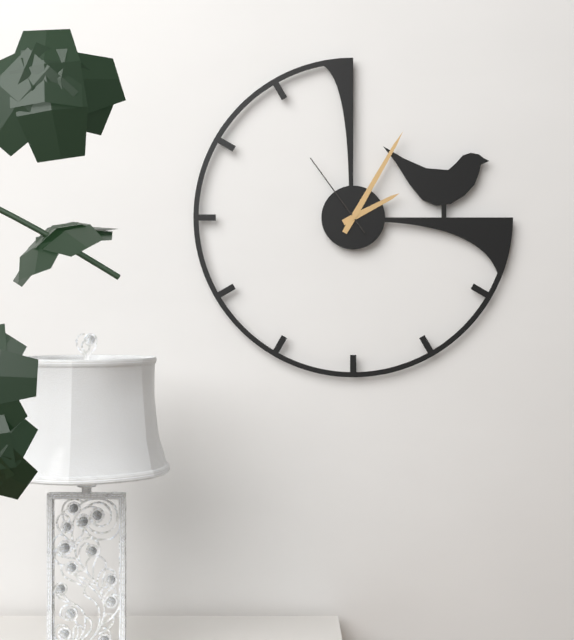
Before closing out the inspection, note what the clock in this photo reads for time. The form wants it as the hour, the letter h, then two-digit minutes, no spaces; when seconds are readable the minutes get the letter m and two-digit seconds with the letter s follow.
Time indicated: 2h05m54s
